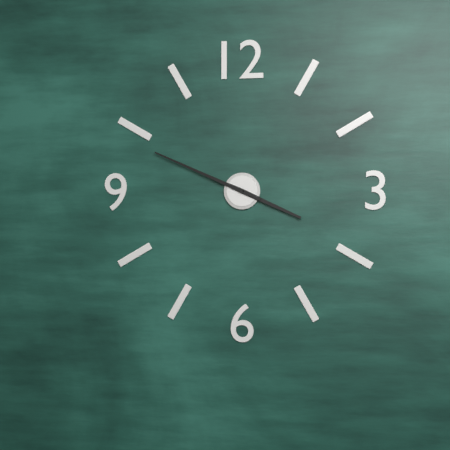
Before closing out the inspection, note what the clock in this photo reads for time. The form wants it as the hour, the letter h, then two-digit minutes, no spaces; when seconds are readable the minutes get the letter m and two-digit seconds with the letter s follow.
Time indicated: 3h49
